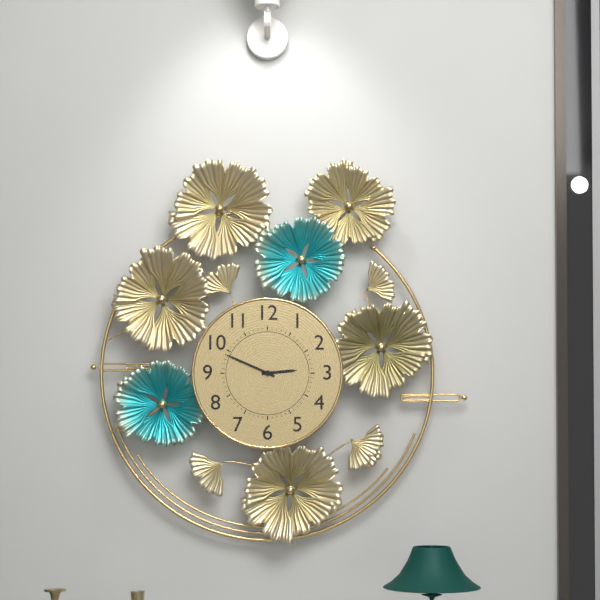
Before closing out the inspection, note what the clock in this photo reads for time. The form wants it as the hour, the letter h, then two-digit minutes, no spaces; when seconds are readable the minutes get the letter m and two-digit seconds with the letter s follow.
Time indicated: 2h49
